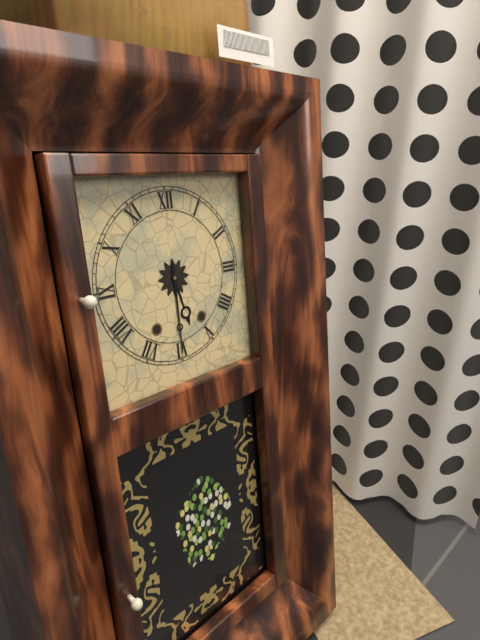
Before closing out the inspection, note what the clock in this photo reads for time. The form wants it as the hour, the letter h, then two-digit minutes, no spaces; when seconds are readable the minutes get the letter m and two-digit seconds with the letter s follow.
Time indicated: 5h30
